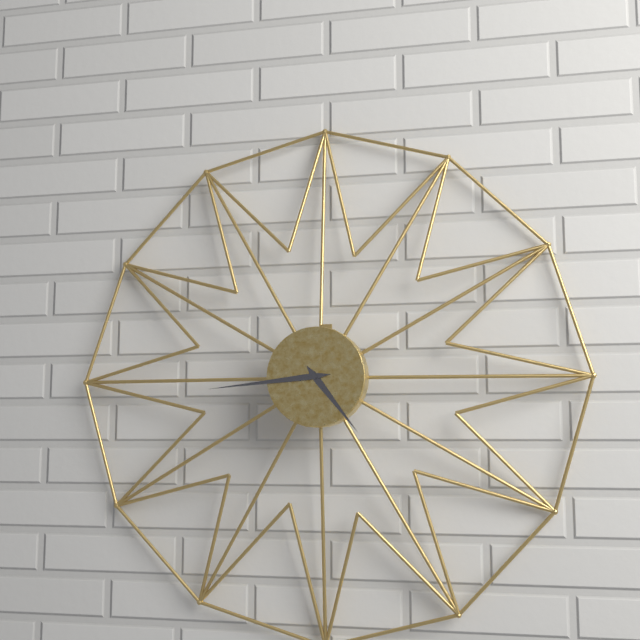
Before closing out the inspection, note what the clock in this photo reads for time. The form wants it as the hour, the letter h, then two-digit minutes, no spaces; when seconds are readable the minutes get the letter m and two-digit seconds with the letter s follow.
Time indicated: 4h44
